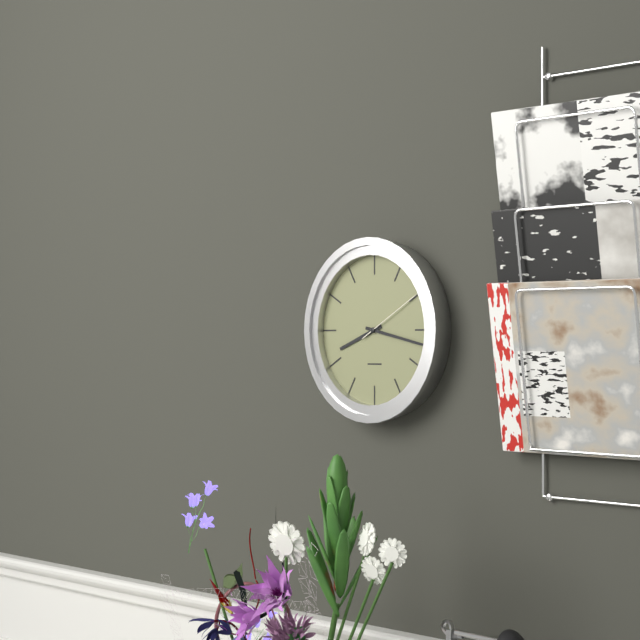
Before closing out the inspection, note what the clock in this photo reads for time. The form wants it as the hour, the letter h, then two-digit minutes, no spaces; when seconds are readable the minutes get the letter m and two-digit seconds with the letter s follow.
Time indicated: 8h17m10s
